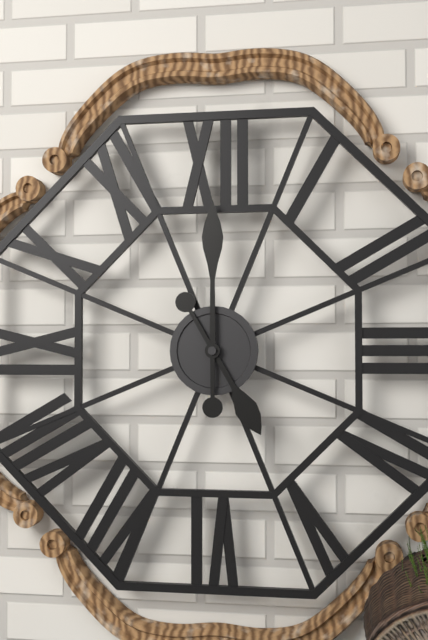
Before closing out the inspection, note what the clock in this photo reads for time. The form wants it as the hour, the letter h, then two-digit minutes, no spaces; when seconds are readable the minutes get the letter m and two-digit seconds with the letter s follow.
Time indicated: 5h00
